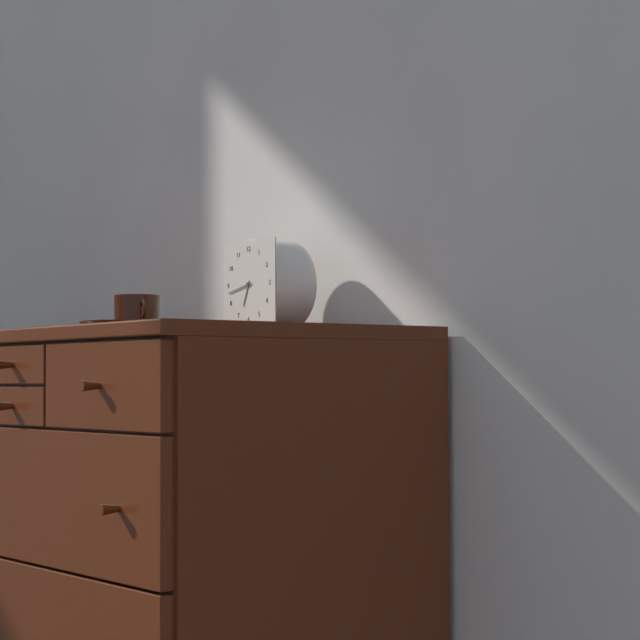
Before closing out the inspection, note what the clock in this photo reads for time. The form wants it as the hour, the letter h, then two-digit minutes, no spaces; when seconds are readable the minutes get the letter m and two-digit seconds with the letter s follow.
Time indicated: 6h43
